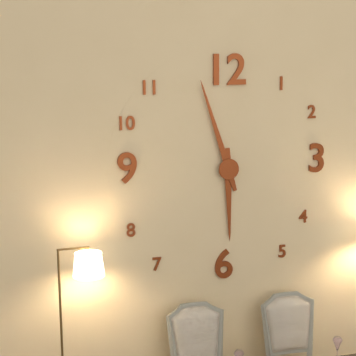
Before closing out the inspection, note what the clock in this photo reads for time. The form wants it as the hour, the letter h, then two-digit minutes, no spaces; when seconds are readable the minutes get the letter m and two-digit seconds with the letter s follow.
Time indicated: 5h57
